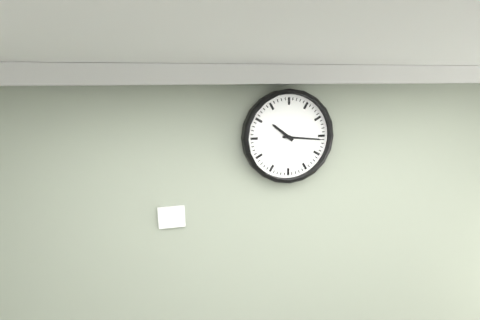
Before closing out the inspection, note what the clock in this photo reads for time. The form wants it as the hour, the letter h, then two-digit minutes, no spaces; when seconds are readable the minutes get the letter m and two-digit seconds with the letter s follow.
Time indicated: 10h16
